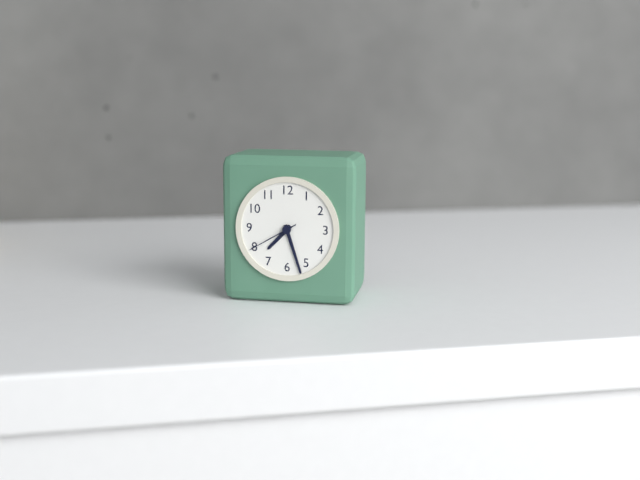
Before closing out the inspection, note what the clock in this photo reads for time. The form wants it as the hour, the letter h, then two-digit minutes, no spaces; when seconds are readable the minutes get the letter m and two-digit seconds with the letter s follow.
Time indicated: 7h27m40s
